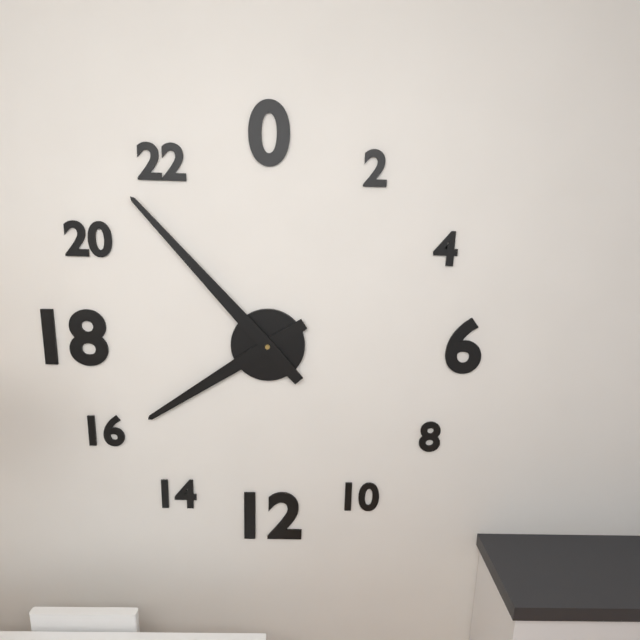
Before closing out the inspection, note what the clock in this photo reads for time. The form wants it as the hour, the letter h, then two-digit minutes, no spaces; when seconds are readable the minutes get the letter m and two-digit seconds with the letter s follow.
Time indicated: 7h53
